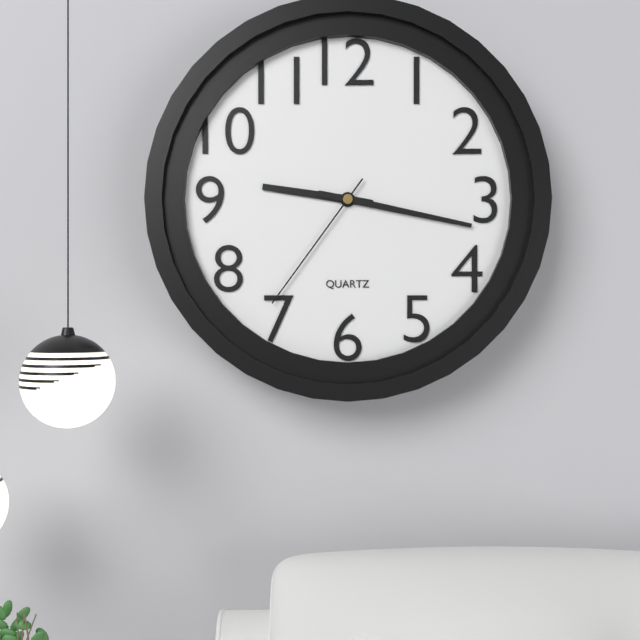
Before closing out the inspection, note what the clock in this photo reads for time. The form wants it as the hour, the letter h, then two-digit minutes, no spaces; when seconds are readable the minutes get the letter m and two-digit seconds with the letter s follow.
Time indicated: 9h17m36s
